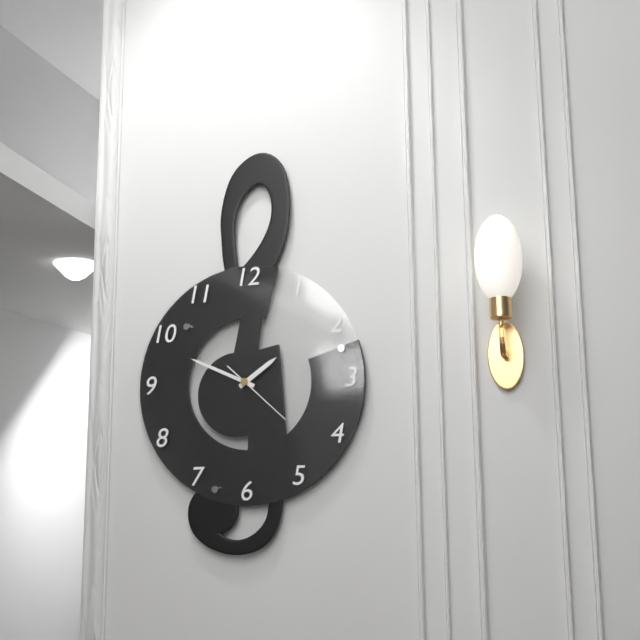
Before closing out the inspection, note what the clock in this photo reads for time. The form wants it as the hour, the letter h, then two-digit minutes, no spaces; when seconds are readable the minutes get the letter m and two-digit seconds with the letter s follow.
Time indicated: 1h49m22s
